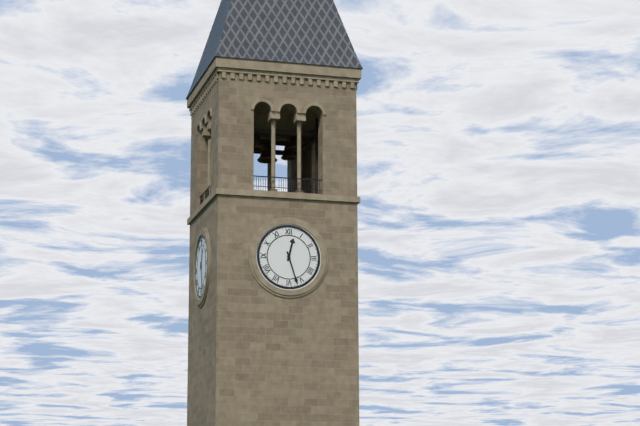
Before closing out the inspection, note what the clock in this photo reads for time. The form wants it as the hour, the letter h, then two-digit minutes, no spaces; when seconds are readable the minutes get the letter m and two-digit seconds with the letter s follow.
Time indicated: 12h27
